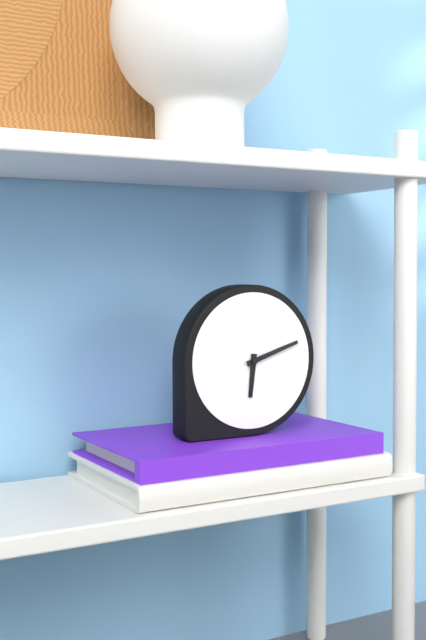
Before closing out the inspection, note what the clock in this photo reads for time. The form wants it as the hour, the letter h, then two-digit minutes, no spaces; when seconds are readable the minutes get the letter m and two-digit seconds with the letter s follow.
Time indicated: 6h12
